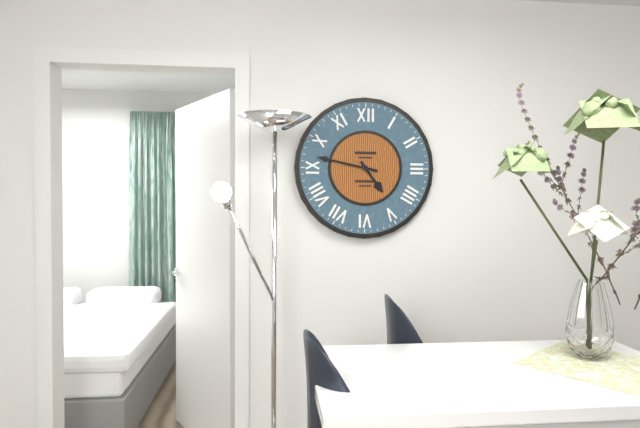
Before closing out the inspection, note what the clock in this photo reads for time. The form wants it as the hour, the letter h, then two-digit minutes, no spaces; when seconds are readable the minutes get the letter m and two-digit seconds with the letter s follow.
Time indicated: 4h47
